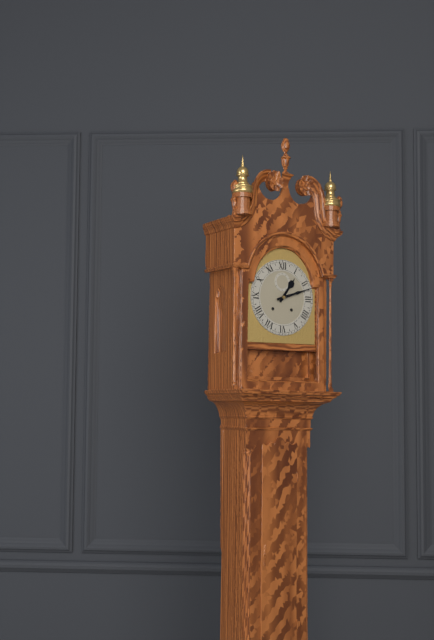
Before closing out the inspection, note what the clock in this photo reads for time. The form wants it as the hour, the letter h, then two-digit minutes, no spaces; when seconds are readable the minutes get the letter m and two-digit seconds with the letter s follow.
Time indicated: 1h12
